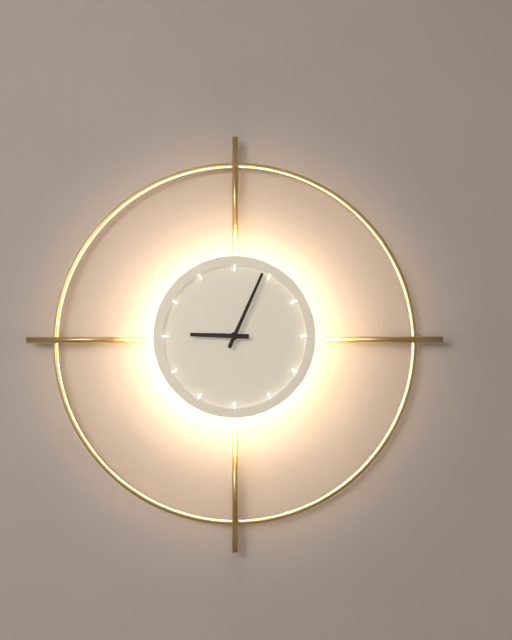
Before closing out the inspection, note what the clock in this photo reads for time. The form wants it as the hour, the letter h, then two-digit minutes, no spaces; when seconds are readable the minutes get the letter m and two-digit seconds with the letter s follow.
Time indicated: 9h04
